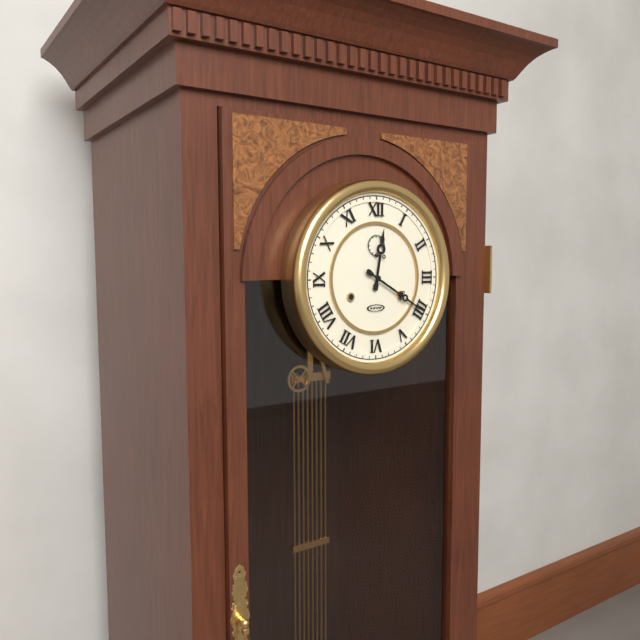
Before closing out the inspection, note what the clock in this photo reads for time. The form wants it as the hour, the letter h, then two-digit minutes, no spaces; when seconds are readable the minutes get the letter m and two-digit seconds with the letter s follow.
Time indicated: 12h20
